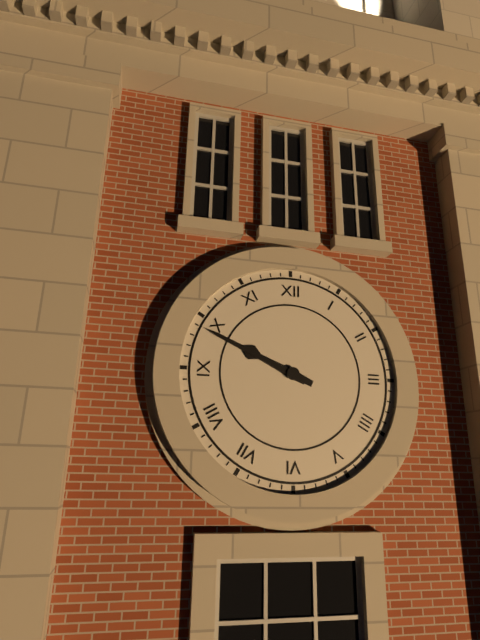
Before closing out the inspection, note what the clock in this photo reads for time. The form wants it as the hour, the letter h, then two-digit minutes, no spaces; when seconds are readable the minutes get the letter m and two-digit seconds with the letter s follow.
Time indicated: 9h49
